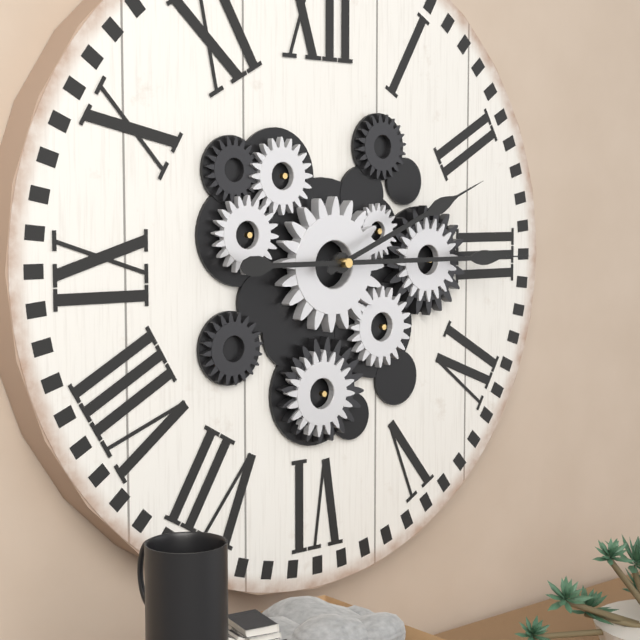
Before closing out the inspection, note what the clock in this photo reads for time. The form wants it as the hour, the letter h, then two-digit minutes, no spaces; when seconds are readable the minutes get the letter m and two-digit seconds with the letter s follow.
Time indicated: 2h15
